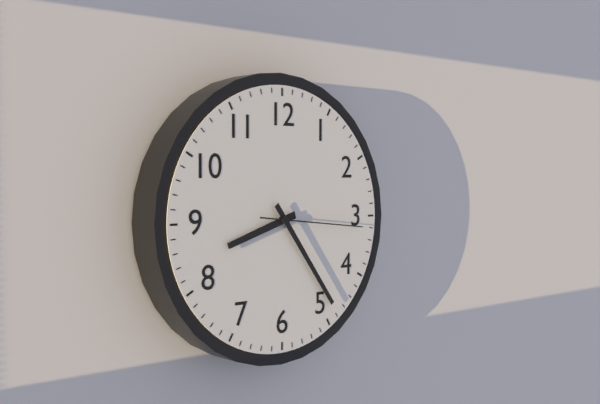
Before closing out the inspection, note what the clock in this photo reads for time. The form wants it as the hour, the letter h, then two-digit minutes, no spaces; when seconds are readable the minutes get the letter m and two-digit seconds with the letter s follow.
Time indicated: 8h24m16s
